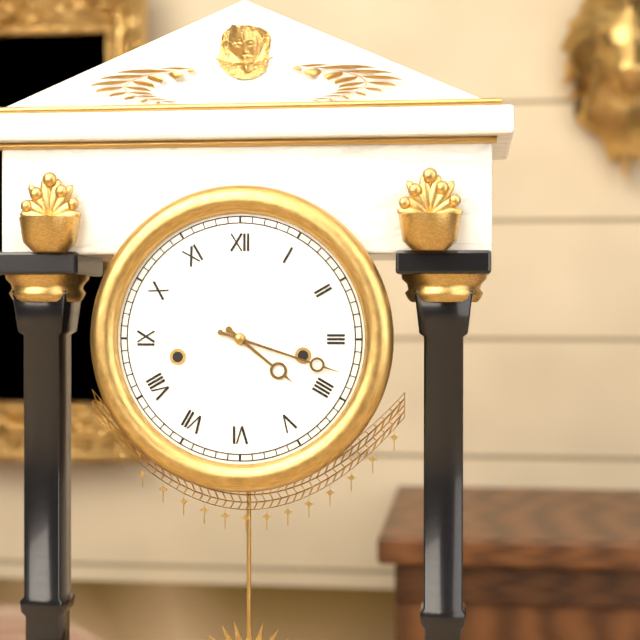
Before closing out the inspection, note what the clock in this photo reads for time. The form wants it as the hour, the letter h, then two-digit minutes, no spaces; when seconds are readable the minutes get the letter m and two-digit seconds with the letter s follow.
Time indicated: 4h18
